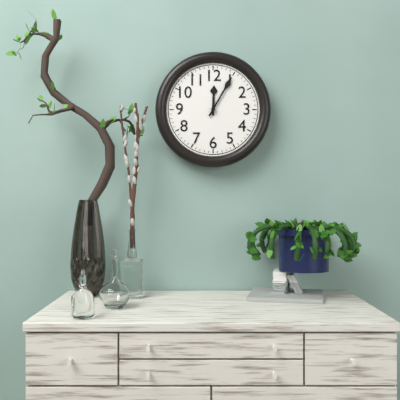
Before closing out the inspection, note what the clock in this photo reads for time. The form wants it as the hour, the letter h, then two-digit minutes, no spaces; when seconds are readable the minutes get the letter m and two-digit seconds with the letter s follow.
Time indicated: 12h05
